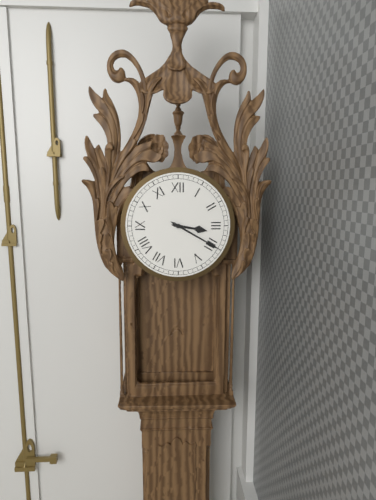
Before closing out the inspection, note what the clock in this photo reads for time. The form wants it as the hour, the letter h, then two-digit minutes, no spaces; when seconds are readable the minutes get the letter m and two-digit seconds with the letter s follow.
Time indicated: 3h20
